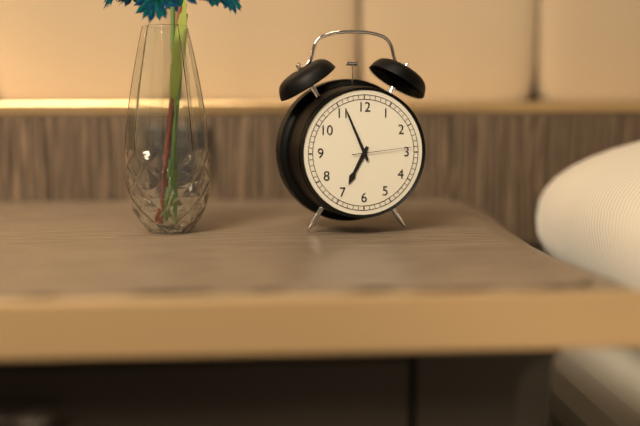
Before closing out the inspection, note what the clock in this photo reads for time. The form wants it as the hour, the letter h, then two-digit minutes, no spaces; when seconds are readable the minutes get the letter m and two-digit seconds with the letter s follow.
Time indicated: 6h56m14s
